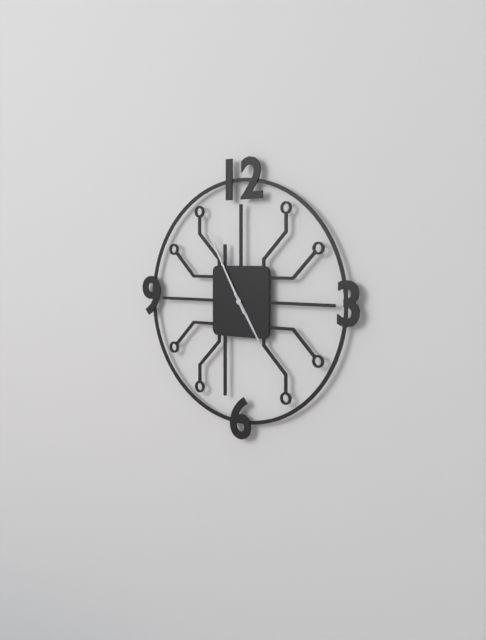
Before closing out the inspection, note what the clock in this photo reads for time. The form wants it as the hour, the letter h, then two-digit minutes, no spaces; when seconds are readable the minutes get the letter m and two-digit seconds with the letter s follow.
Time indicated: 4h55
